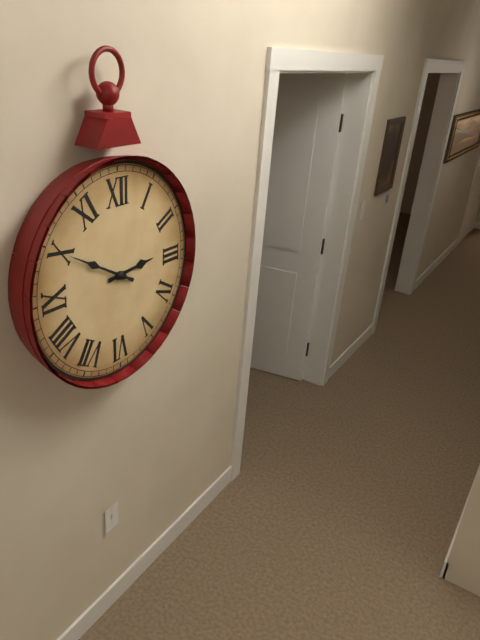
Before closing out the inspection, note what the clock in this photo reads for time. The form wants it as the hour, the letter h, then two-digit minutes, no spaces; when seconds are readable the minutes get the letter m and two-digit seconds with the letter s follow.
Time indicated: 2h50
